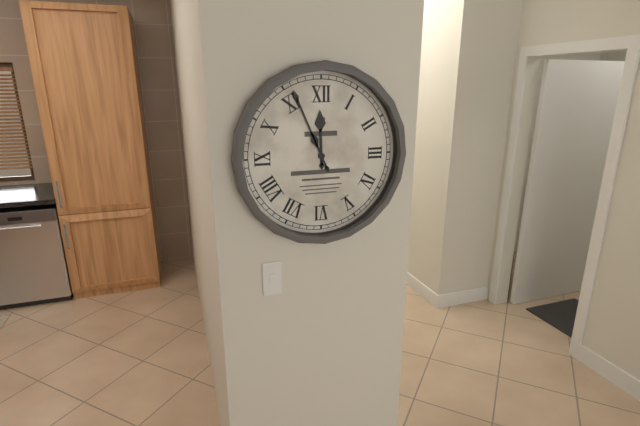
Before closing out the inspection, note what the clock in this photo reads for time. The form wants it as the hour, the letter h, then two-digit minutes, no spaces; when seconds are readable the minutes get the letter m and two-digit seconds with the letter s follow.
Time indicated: 11h56
